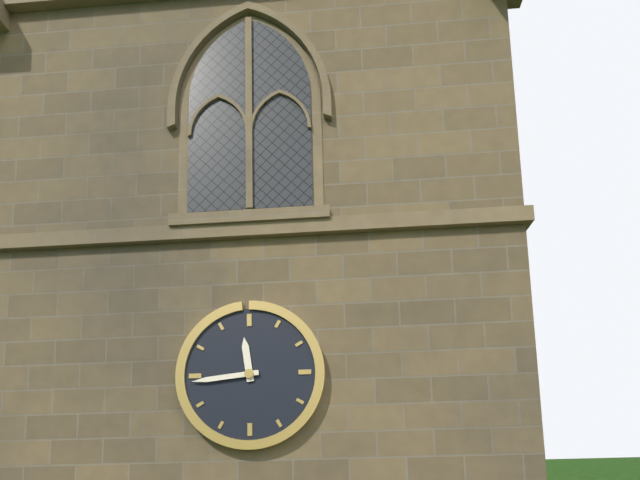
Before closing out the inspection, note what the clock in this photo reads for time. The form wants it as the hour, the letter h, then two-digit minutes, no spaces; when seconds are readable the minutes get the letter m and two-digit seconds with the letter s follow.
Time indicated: 11h44
